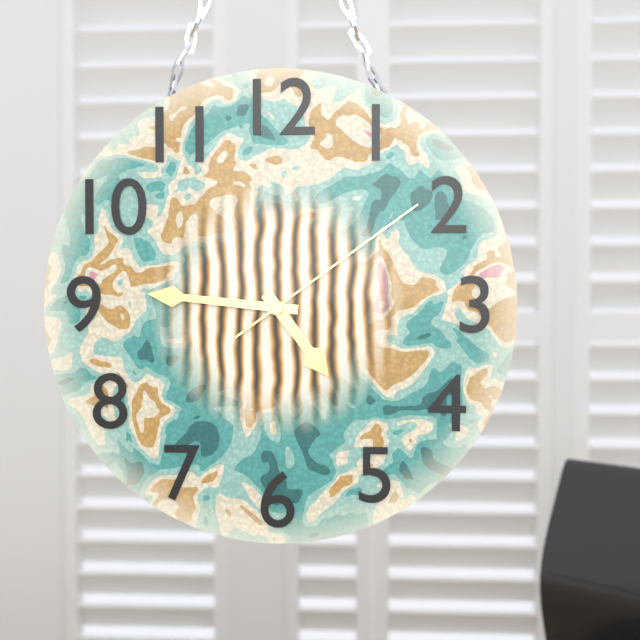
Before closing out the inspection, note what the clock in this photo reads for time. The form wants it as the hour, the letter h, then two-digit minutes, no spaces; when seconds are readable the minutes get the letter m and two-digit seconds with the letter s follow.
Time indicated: 4h46m09s
